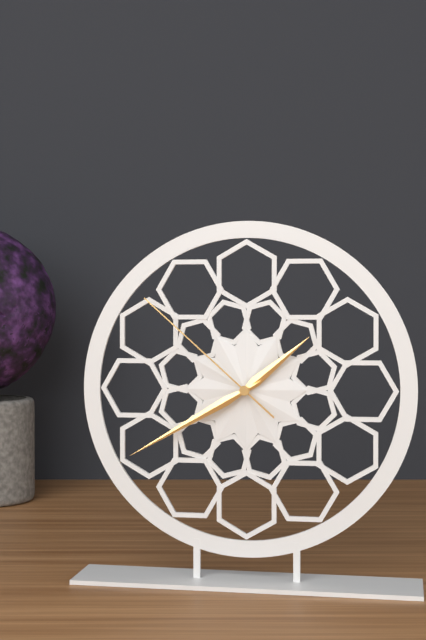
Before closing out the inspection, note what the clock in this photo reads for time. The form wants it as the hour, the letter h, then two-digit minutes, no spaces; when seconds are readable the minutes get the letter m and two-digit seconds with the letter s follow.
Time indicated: 1h40m52s
